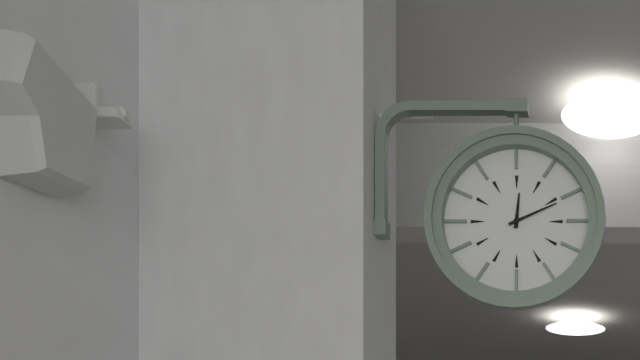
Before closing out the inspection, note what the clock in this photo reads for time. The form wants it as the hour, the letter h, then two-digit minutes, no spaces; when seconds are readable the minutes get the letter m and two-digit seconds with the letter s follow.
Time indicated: 12h11
